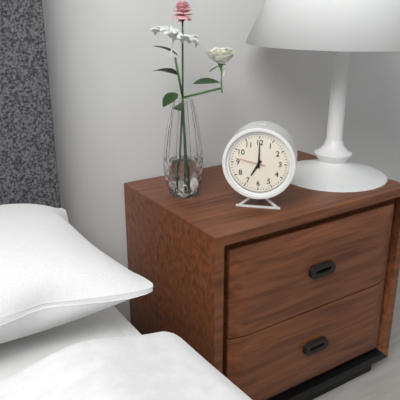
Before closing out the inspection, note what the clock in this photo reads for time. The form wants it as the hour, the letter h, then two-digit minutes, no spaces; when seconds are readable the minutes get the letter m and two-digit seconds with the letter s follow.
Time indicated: 7h00
